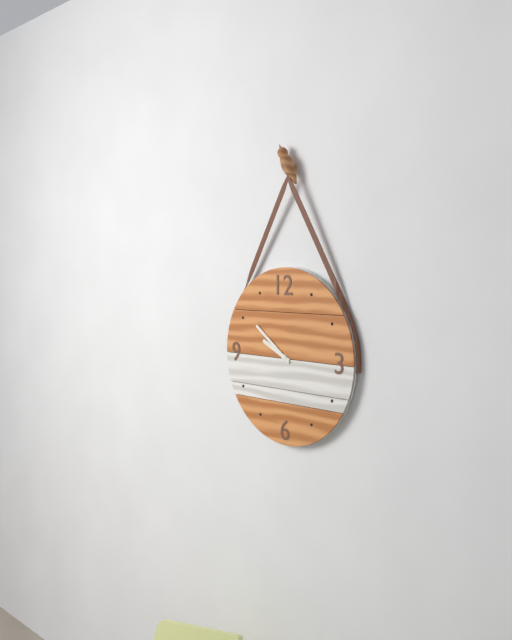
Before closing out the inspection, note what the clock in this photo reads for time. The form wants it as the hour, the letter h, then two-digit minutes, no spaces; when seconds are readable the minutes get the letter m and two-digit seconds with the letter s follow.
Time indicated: 9h51
